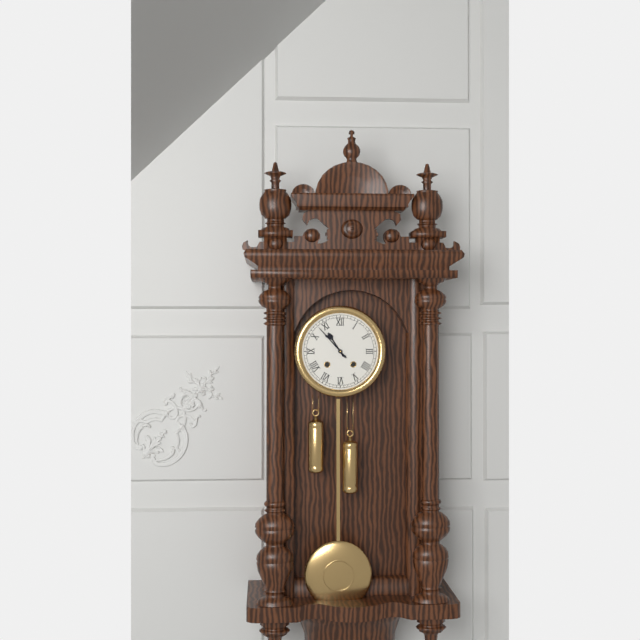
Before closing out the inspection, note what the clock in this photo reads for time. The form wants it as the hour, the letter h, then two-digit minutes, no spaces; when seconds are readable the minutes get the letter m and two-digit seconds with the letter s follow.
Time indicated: 10h53
